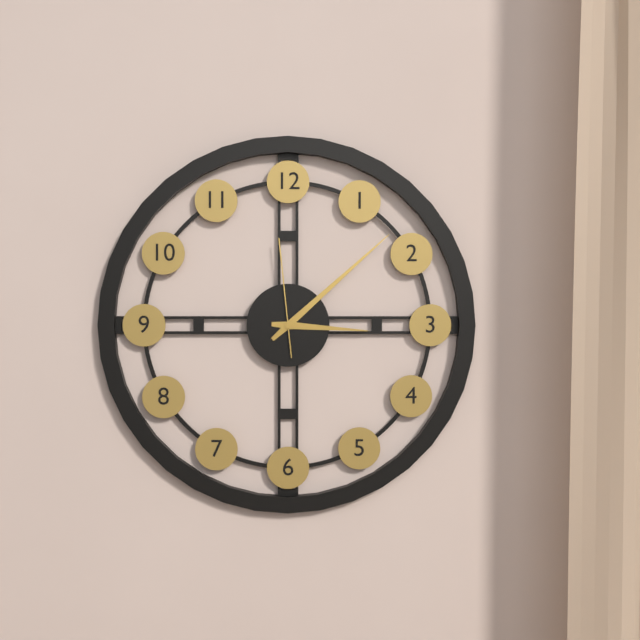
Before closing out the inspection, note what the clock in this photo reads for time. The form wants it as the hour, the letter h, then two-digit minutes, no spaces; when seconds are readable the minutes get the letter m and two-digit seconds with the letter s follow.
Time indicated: 3h08m59s
